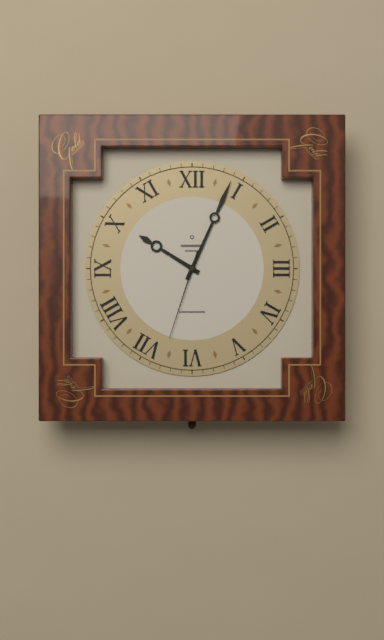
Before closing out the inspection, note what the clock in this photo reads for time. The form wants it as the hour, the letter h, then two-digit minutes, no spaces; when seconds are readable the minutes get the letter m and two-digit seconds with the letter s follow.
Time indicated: 10h04m33s
